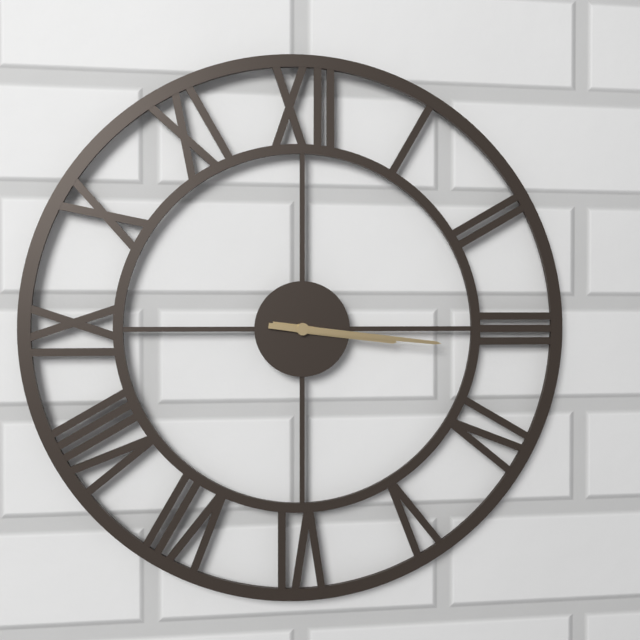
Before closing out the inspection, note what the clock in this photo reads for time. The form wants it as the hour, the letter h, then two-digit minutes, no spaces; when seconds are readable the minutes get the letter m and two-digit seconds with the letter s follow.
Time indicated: 3h16
